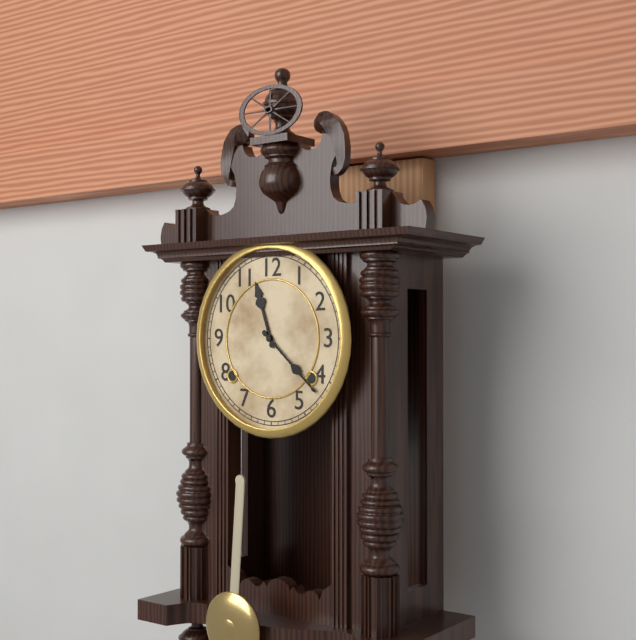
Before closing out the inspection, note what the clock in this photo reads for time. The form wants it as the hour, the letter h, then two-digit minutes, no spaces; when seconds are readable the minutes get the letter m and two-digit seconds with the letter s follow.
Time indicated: 11h22
